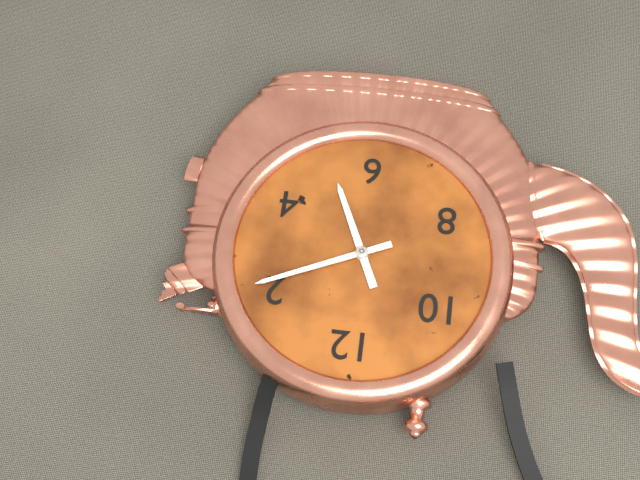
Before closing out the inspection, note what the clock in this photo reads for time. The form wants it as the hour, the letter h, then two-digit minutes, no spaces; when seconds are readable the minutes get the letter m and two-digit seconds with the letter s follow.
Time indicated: 5h11
